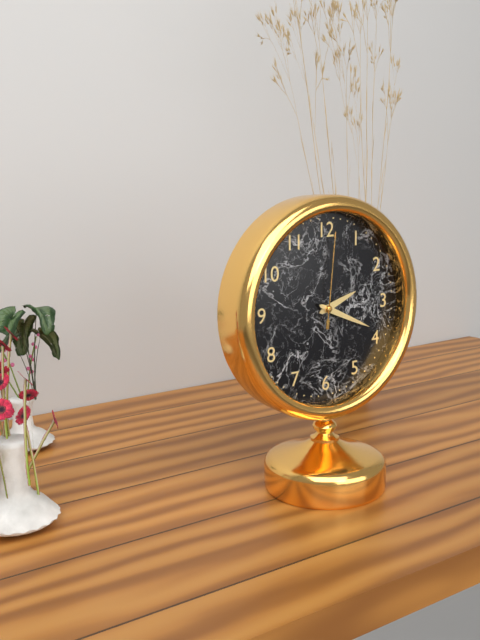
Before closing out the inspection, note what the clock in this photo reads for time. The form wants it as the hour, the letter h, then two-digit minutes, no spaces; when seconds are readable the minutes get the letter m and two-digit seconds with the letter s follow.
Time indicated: 2h19m01s
